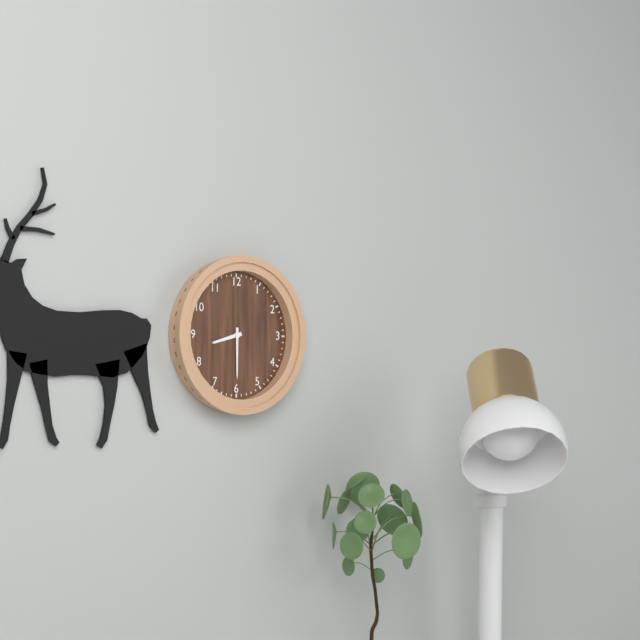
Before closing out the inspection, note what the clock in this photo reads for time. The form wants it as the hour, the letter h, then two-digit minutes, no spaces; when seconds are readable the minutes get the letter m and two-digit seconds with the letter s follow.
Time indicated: 8h30
